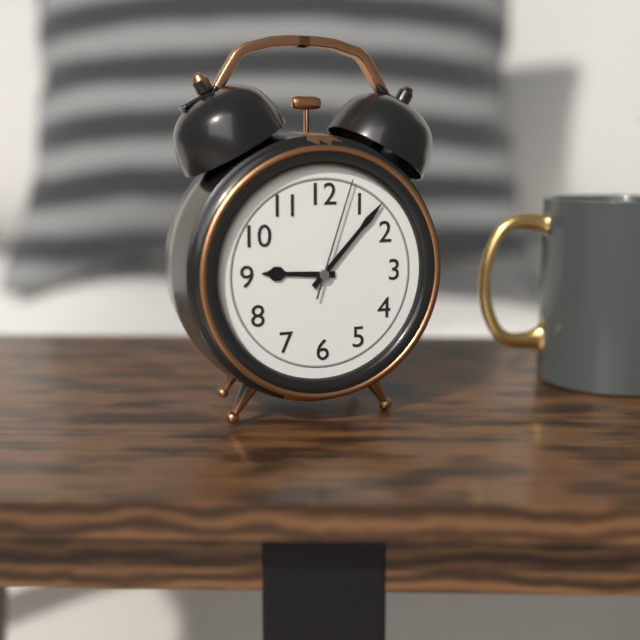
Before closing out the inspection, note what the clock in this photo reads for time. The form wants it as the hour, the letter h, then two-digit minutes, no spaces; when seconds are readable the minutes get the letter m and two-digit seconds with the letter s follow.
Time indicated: 9h07m03s
